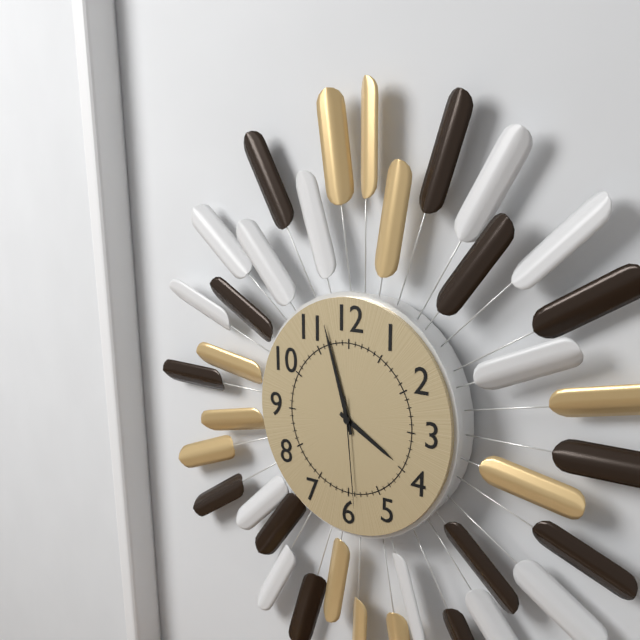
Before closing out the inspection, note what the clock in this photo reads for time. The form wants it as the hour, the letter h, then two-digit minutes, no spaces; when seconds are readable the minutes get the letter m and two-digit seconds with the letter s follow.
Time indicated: 3h57m29s
